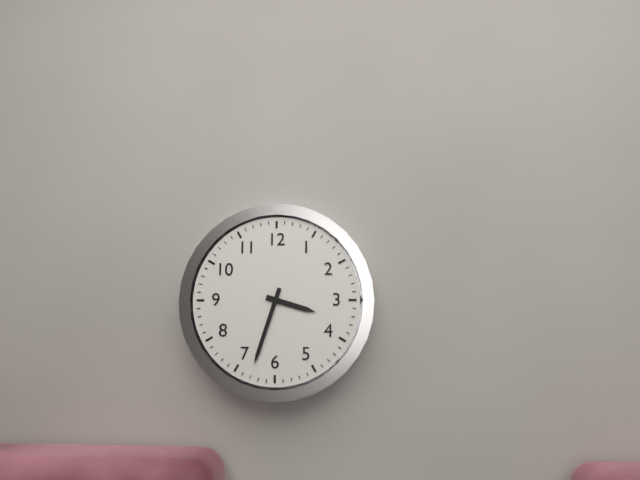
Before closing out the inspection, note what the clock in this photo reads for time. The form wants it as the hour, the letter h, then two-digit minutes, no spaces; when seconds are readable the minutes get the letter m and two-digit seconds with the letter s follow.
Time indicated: 3h33
